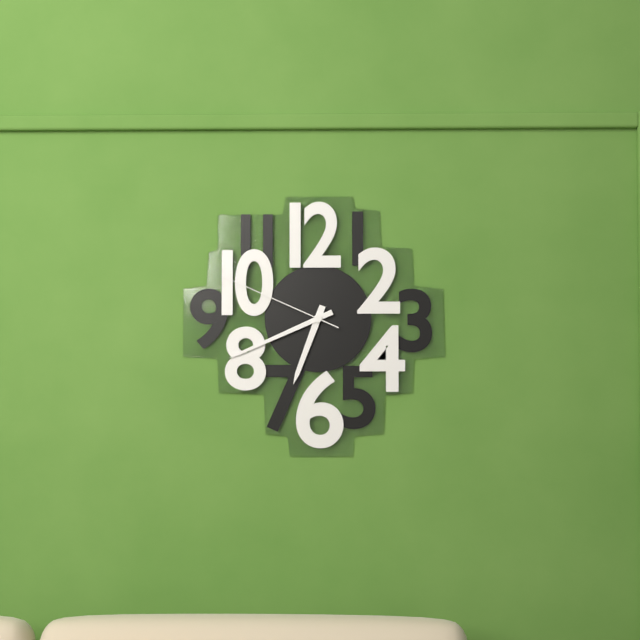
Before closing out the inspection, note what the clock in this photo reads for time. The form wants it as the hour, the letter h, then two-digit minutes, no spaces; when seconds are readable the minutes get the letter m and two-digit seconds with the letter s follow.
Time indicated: 6h41m49s
